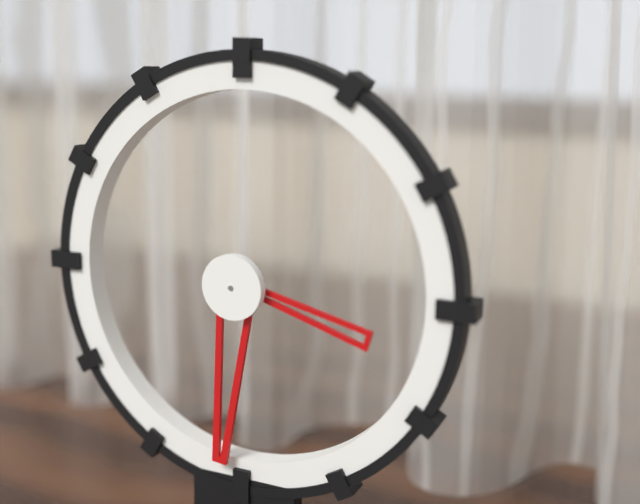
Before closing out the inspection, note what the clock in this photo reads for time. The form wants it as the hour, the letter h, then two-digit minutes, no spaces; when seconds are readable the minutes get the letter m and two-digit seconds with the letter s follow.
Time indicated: 3h31
